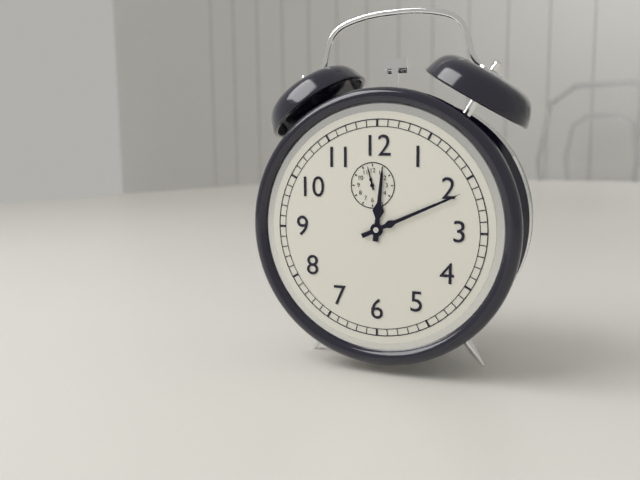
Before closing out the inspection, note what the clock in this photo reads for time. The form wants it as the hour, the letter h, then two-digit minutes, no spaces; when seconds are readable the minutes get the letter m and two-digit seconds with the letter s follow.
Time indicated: 12h11
